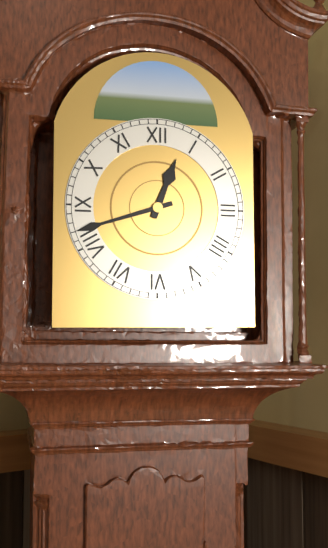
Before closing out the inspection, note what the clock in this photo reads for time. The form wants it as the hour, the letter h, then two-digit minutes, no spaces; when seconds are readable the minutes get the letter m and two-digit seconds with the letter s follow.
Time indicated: 12h42
